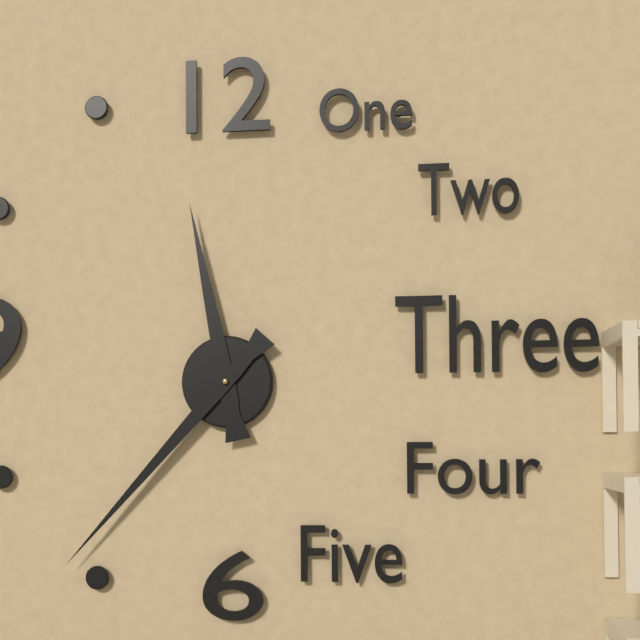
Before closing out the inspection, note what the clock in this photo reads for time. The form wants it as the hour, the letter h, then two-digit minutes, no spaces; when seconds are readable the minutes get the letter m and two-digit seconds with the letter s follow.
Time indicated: 11h37
